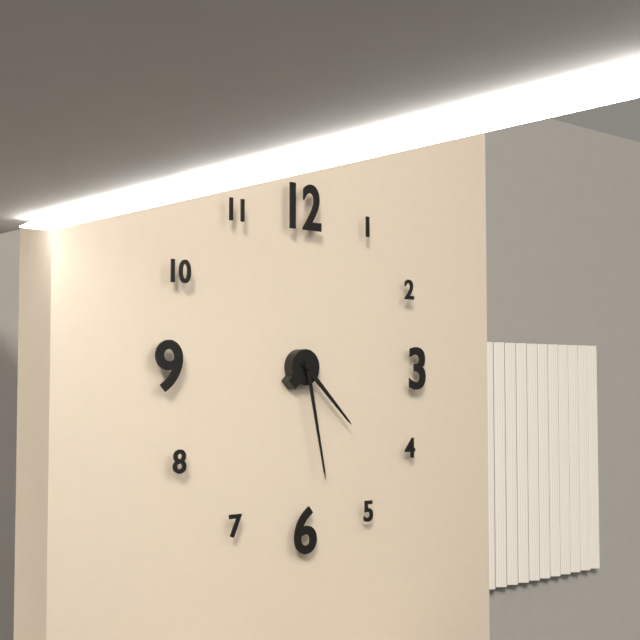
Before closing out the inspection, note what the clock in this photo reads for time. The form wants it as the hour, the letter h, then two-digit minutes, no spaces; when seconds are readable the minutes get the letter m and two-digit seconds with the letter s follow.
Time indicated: 4h28
